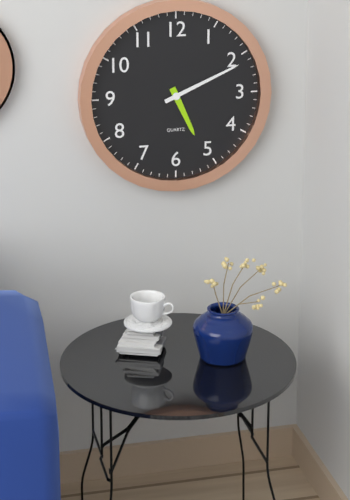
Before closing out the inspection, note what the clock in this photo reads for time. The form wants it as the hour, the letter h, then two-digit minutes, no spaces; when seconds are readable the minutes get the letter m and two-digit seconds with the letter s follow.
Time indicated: 5h11
